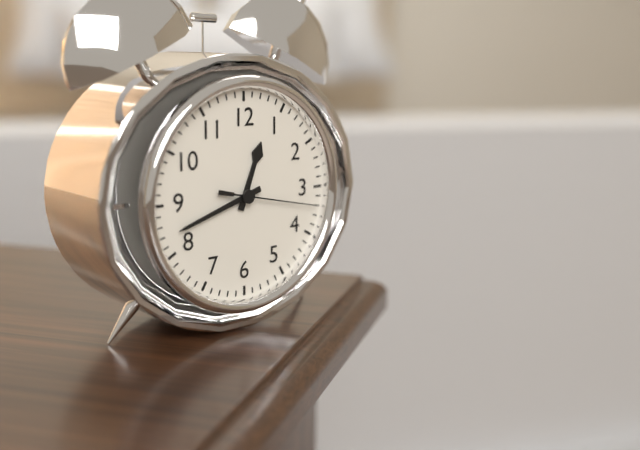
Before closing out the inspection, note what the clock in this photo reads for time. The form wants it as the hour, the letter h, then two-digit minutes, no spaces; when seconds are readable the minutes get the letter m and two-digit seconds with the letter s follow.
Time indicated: 12h42m17s
